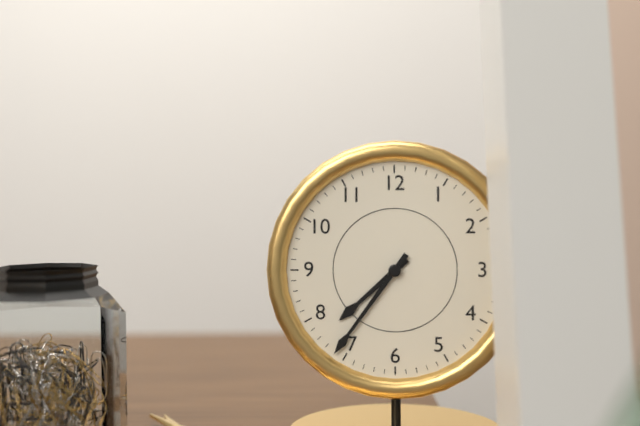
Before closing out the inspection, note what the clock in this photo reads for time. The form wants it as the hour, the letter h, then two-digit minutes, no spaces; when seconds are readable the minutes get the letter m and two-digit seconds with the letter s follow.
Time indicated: 7h36
